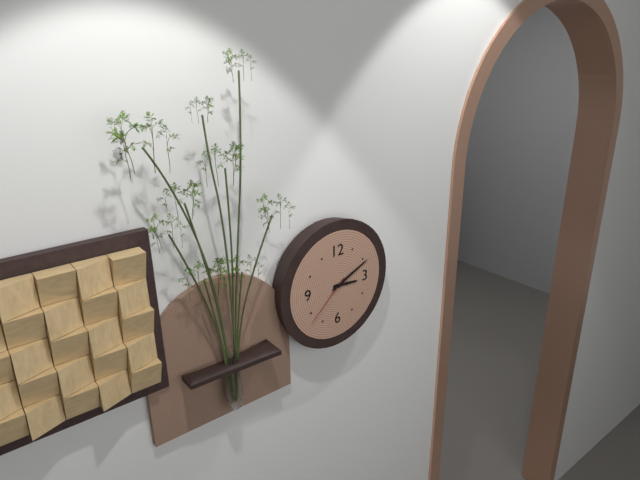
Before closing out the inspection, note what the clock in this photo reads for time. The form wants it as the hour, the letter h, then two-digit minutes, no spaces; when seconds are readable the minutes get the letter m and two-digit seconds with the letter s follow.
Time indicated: 3h11m38s
